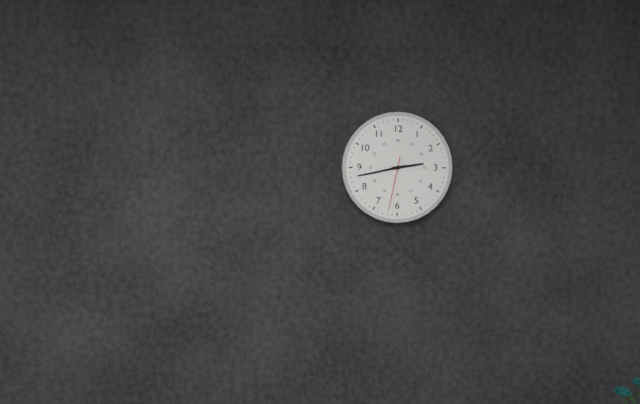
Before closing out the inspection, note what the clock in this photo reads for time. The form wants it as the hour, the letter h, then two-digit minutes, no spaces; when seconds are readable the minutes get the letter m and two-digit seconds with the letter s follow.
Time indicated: 2h43m32s
